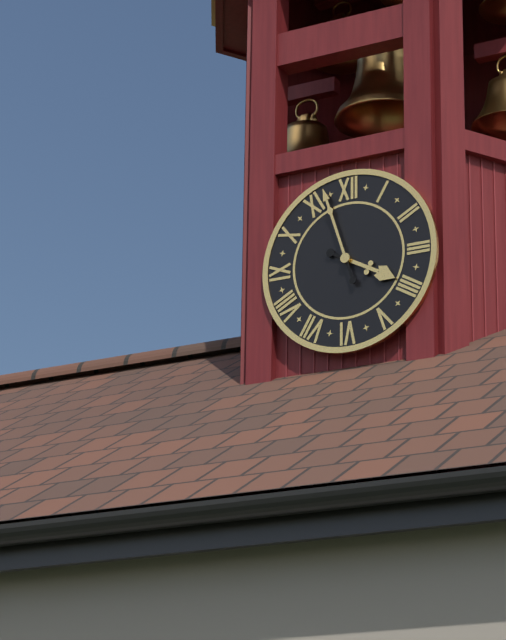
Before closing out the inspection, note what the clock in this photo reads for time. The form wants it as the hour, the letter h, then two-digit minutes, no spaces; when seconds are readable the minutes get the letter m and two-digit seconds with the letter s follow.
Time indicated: 3h57
